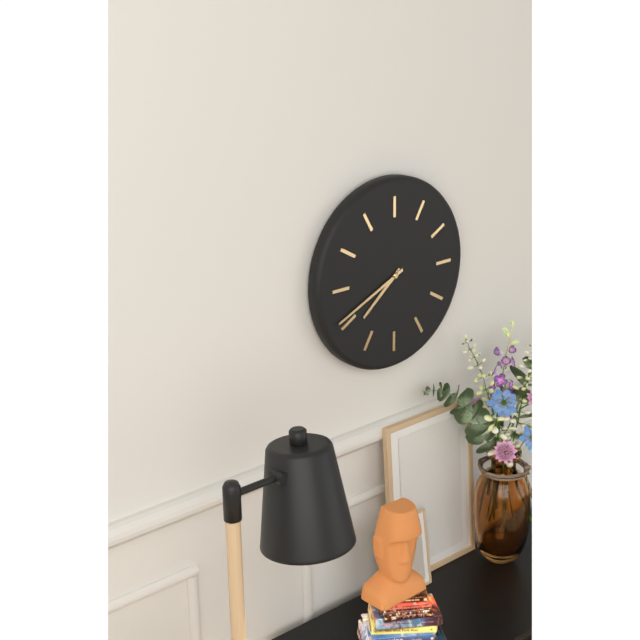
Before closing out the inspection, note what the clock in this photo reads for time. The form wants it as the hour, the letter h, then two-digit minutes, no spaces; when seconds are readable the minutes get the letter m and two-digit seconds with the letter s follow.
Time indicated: 7h41
